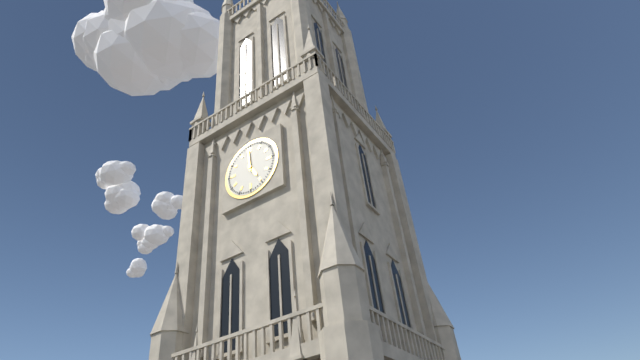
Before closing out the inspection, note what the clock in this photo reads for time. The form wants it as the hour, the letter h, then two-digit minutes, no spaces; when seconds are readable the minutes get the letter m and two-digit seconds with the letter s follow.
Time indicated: 4h59
